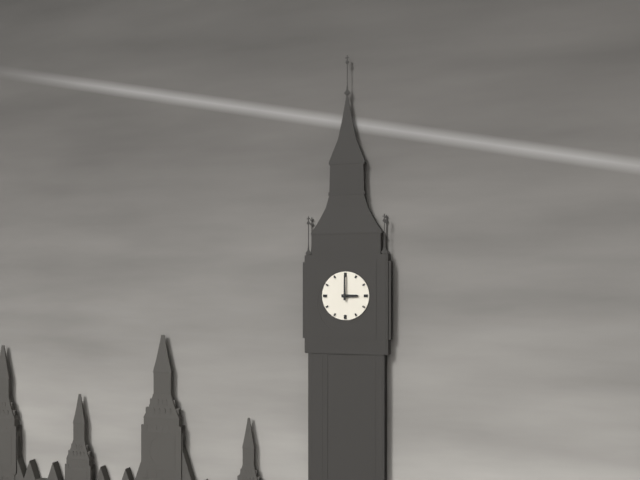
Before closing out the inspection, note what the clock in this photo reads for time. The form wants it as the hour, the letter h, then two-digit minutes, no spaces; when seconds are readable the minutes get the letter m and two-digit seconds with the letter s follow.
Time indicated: 3h00
